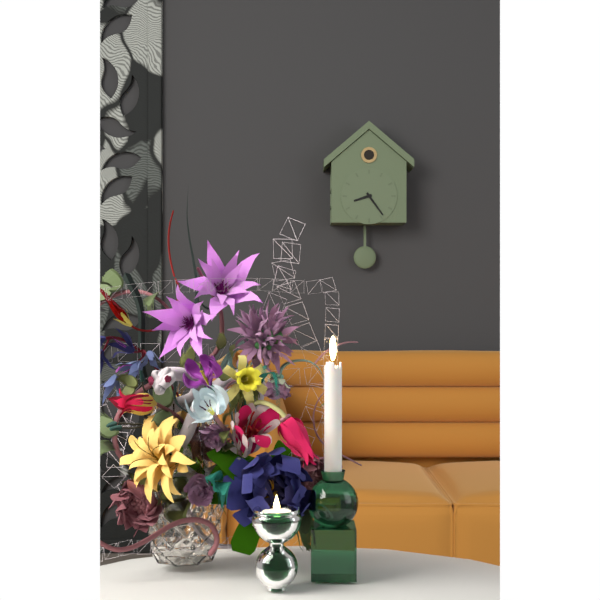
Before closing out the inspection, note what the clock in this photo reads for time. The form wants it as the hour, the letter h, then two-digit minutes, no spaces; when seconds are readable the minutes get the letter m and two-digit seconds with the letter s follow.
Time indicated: 8h24
